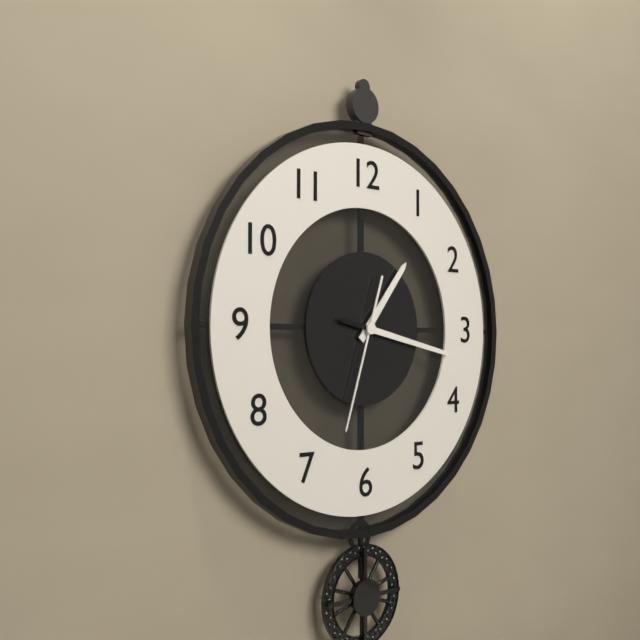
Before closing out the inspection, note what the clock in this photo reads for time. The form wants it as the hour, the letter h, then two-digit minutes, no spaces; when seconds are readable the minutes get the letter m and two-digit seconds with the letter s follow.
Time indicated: 1h17m33s
